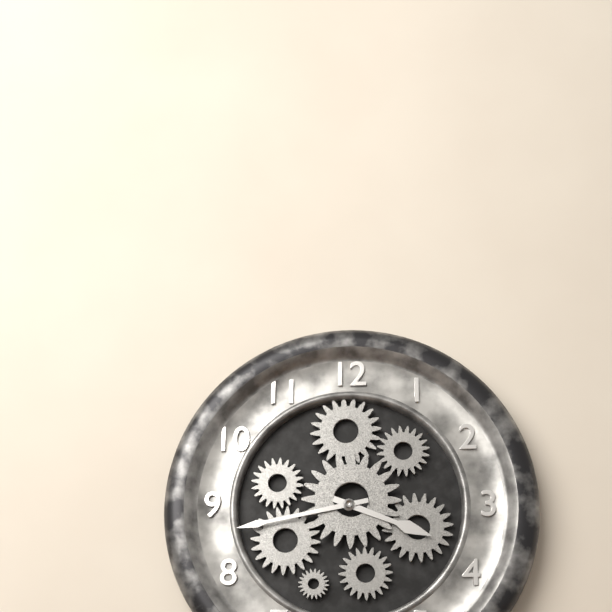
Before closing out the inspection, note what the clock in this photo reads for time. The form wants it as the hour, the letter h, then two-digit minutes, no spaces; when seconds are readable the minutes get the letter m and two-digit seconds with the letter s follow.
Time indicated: 3h43
